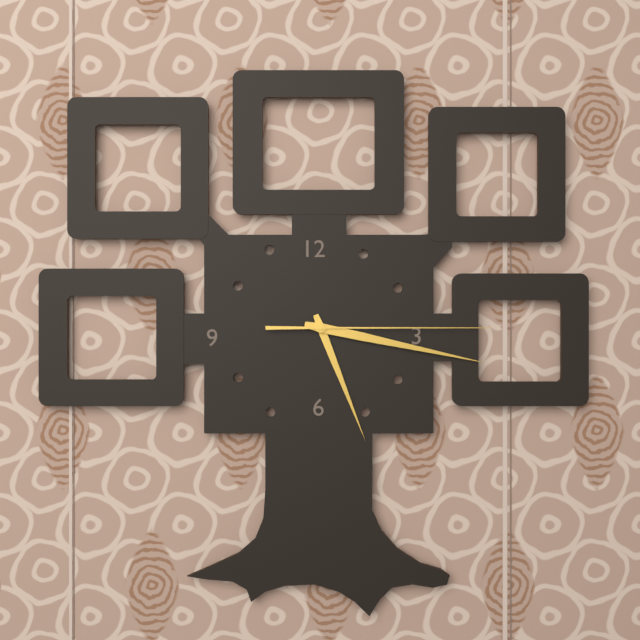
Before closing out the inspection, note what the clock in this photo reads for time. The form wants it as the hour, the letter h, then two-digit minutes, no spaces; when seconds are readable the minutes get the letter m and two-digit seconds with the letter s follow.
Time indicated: 5h17m15s
